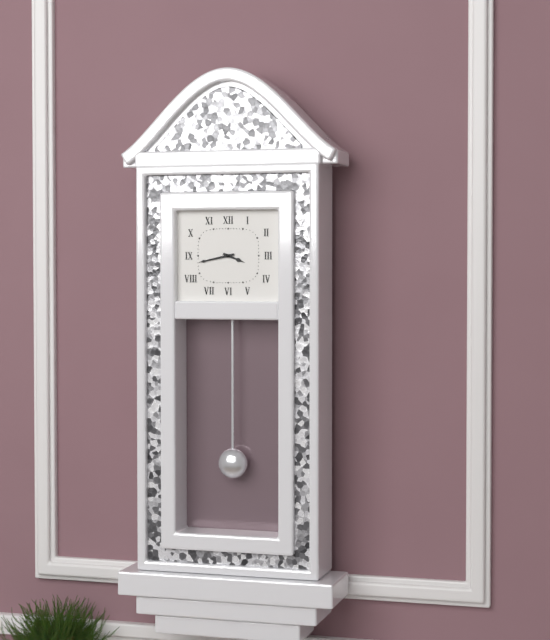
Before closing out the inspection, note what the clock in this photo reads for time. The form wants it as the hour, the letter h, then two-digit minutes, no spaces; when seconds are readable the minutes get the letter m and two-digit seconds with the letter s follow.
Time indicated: 3h43
